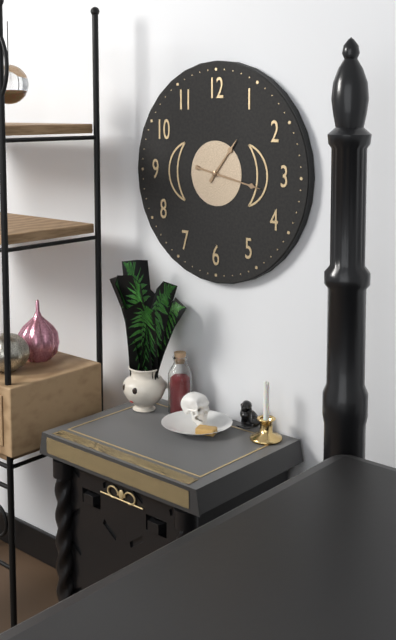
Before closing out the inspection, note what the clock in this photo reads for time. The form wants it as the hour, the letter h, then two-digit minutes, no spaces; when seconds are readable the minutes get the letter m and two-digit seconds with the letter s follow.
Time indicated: 1h17
